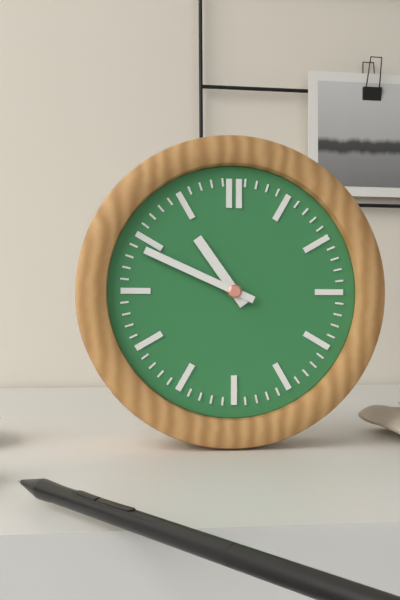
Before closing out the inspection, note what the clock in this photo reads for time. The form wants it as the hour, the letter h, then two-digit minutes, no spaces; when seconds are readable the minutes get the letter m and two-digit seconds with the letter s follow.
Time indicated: 10h49
